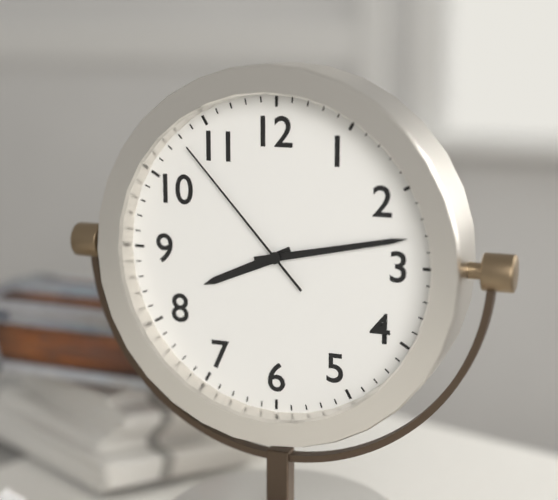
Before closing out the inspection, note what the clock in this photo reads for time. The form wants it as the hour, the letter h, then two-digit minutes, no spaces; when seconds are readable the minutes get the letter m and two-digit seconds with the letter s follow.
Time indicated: 8h13m53s
